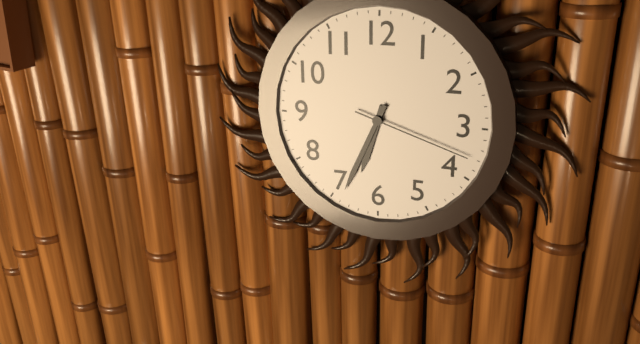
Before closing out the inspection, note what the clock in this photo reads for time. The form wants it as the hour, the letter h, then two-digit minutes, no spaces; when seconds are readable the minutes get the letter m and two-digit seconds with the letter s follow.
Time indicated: 6h34m18s
